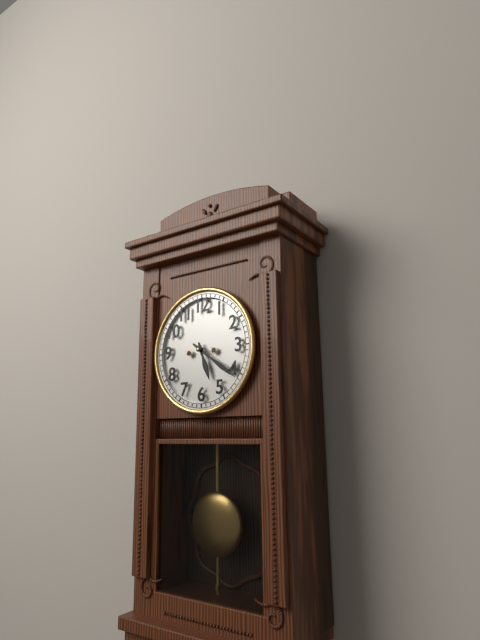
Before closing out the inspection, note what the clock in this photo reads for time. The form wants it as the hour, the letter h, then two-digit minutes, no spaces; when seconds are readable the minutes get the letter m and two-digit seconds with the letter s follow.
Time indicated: 5h21
